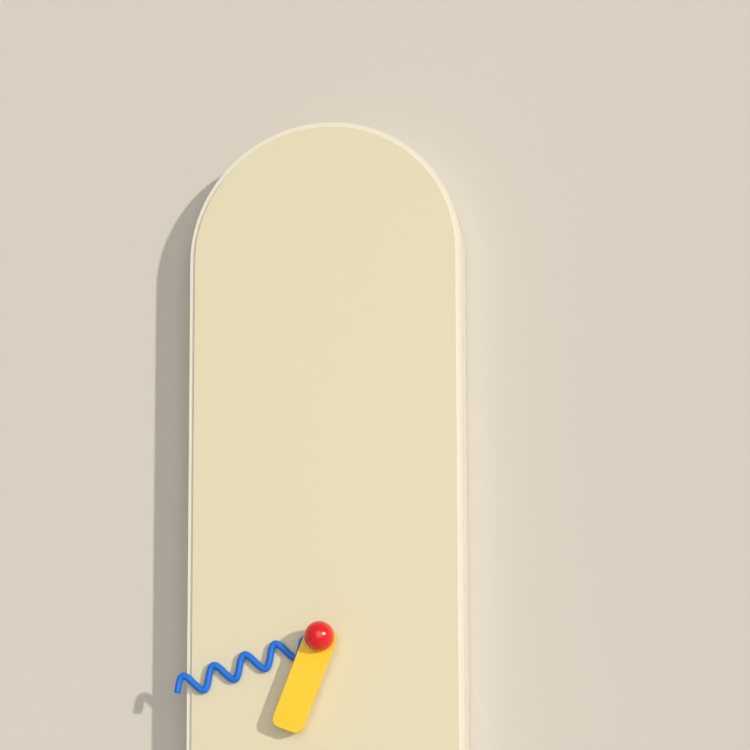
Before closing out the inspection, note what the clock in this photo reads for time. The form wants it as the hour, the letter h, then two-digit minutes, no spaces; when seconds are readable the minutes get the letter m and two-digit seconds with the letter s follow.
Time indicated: 6h42
